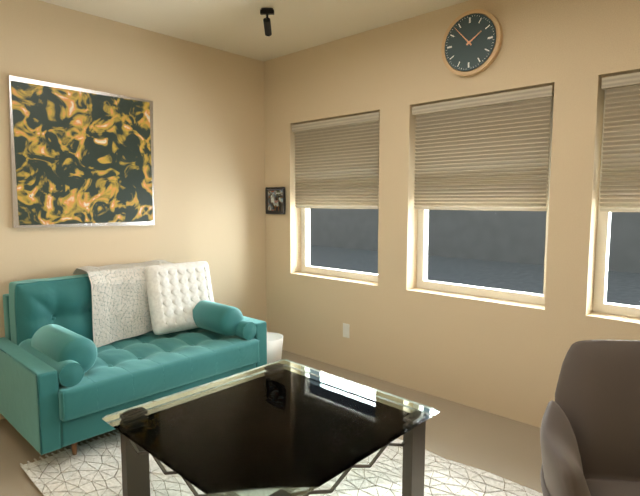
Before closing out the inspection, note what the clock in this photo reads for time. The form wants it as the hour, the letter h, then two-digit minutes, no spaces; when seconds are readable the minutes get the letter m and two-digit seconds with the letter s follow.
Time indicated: 1h53
